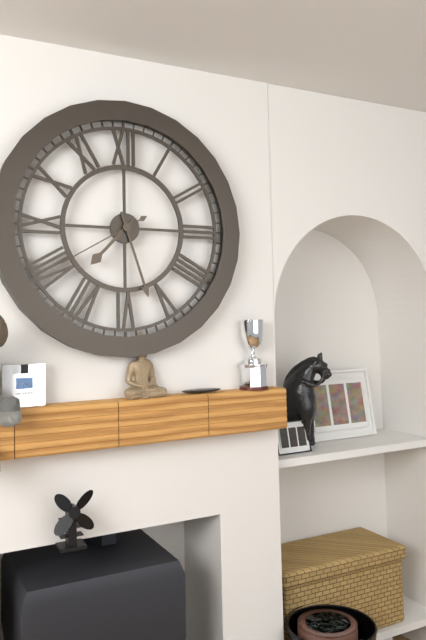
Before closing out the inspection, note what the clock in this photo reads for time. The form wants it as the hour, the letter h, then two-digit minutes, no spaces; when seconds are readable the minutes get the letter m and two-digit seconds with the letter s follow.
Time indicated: 7h27m40s
